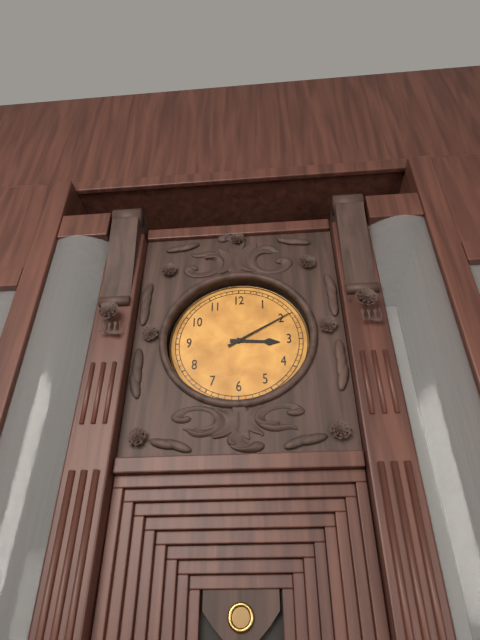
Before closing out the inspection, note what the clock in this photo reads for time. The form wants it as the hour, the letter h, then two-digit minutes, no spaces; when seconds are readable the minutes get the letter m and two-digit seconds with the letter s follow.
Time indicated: 3h10
